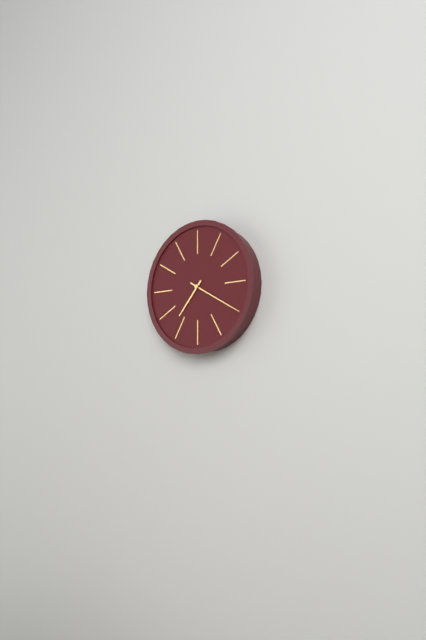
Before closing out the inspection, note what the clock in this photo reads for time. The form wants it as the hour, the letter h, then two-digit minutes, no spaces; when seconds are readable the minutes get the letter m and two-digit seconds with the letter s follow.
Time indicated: 7h20
